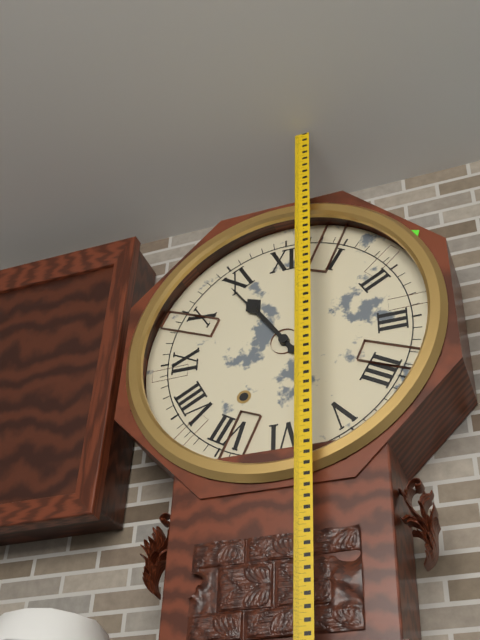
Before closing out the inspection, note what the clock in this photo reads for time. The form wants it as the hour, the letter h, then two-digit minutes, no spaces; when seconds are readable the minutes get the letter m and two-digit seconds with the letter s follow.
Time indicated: 10h54
